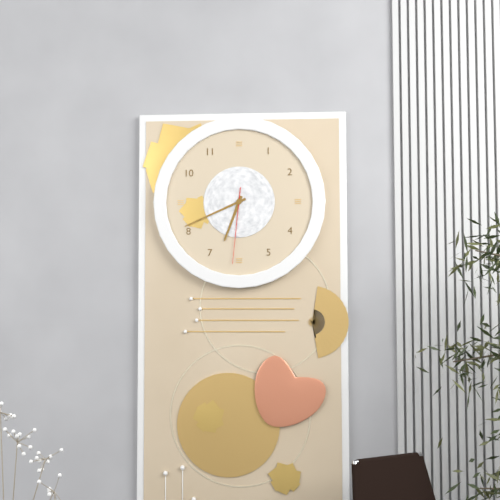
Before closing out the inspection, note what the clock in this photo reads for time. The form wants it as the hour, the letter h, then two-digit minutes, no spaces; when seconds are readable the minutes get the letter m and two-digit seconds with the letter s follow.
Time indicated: 6h41m31s
